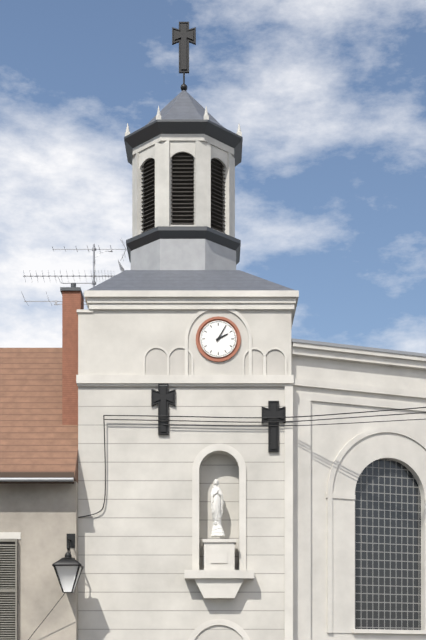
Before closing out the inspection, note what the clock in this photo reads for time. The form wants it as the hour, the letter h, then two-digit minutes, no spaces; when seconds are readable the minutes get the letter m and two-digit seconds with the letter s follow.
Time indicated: 2h05
